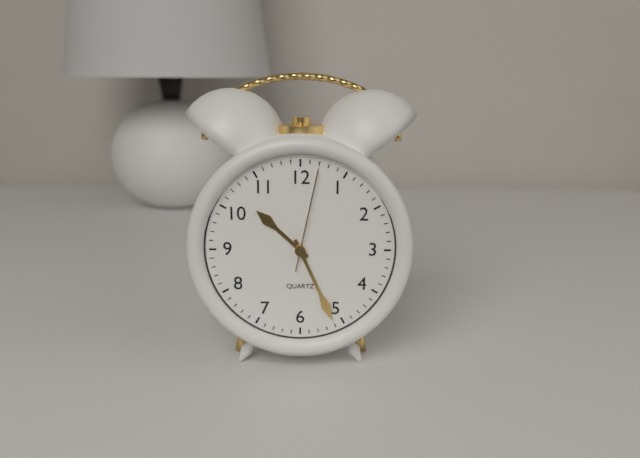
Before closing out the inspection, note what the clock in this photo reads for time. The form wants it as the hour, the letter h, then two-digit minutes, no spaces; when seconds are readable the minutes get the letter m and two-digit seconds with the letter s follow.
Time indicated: 10h26m02s
